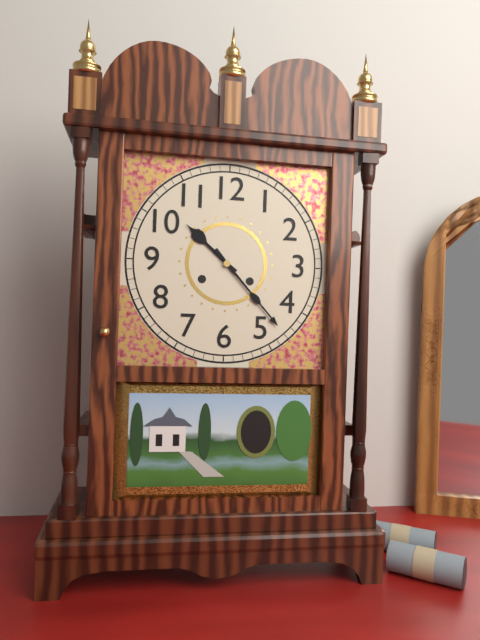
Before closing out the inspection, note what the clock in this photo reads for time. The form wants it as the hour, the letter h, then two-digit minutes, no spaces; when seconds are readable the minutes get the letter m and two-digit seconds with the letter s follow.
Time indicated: 10h23
